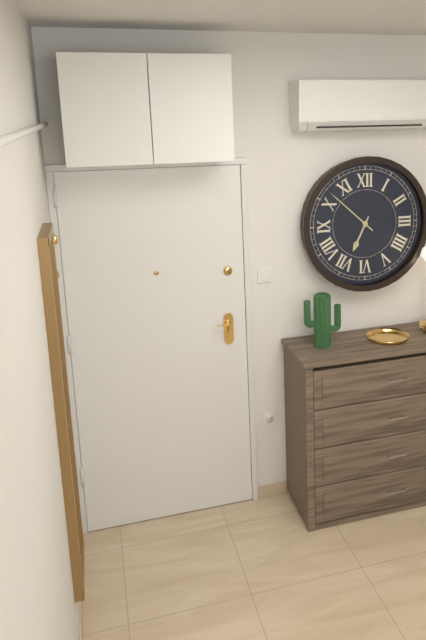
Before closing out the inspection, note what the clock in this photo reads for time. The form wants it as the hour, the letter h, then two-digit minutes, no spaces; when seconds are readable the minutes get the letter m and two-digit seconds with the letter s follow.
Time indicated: 6h52
